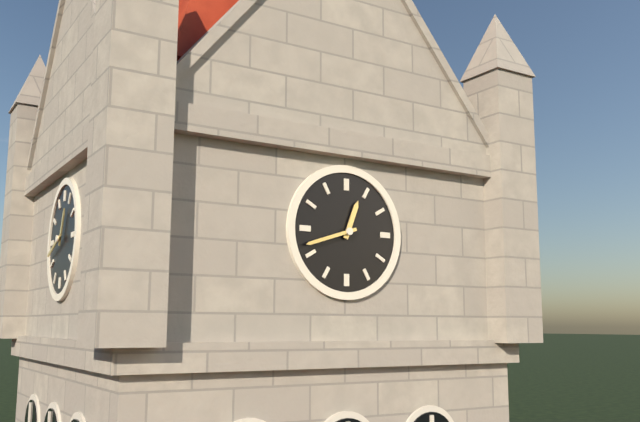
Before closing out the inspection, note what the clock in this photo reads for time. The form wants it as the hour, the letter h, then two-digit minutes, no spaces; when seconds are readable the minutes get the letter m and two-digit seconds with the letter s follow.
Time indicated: 12h42
